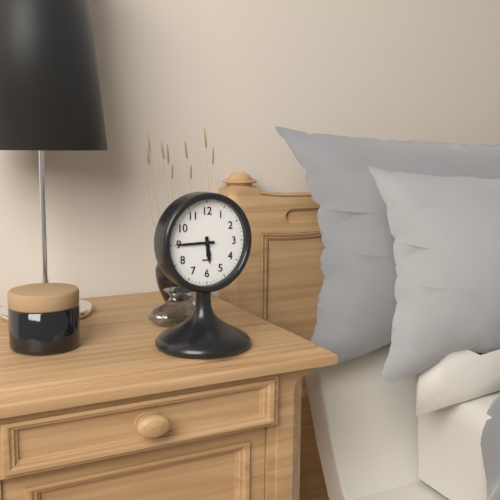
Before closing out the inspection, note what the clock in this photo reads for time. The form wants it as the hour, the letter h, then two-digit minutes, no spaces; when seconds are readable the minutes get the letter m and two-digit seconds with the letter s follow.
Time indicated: 5h45
